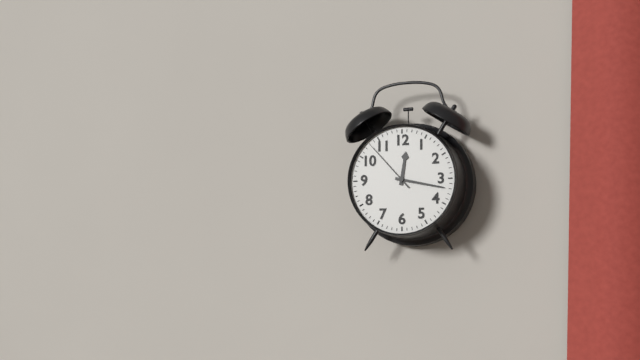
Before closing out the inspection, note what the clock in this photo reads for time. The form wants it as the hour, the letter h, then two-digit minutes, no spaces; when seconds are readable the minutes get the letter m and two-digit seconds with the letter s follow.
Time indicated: 12h17m53s
